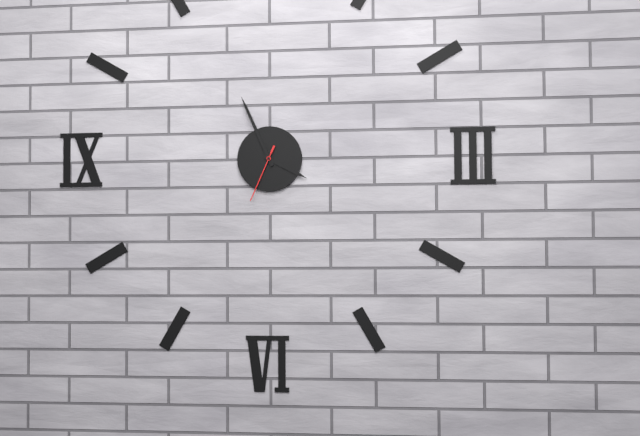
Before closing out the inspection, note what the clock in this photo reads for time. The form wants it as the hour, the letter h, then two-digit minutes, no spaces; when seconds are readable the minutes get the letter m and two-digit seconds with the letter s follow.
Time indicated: 3h56m34s
